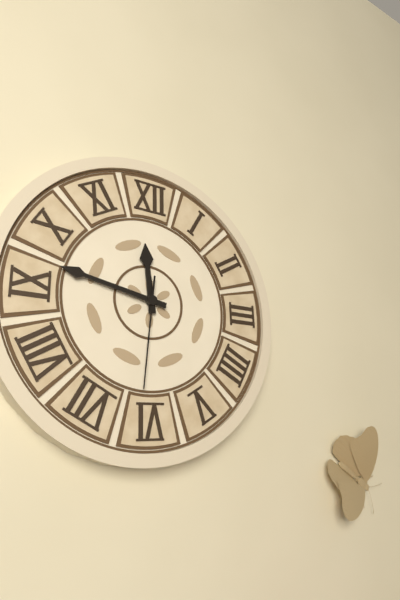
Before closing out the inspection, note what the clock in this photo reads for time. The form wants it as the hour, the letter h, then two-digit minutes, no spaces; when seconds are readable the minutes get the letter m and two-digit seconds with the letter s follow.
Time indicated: 11h47m31s
